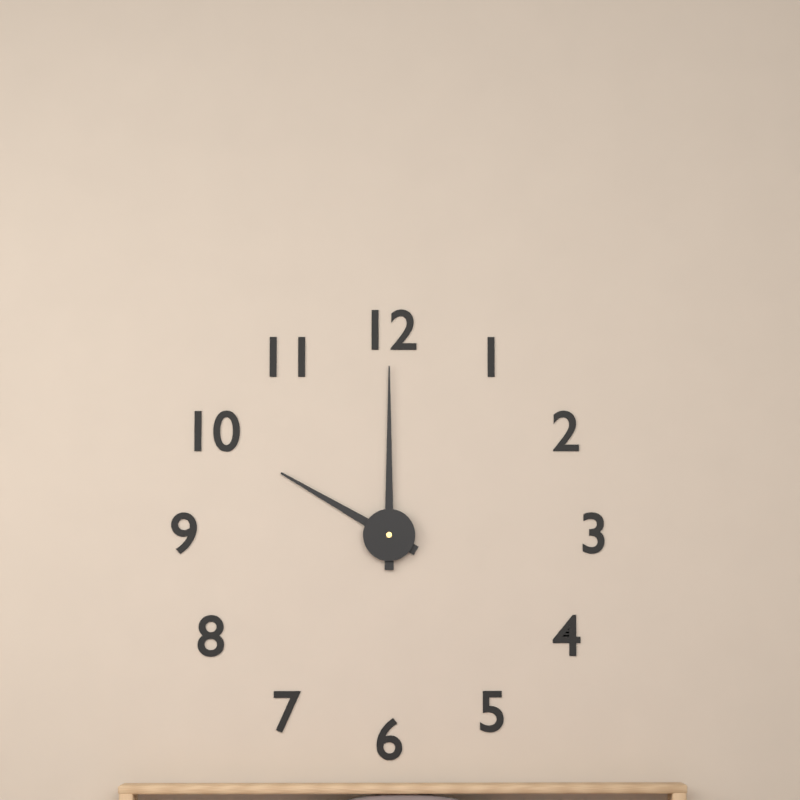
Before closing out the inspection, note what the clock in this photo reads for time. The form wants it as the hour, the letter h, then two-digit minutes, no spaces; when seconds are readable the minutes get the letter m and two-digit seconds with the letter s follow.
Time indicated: 10h00
